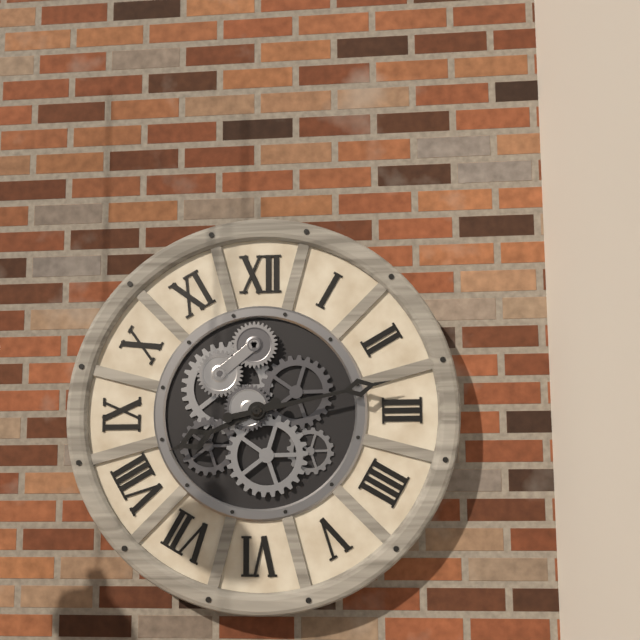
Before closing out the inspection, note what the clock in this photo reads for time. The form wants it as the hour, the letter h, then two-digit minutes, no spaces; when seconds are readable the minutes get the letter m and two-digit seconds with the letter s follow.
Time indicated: 8h13
